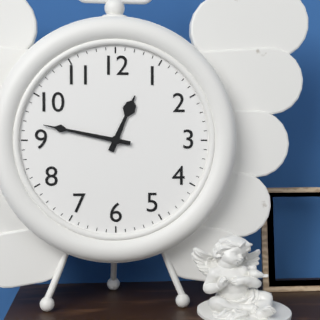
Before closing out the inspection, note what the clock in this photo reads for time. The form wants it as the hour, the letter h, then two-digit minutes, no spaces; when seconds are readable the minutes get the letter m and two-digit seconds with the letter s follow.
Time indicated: 12h47
